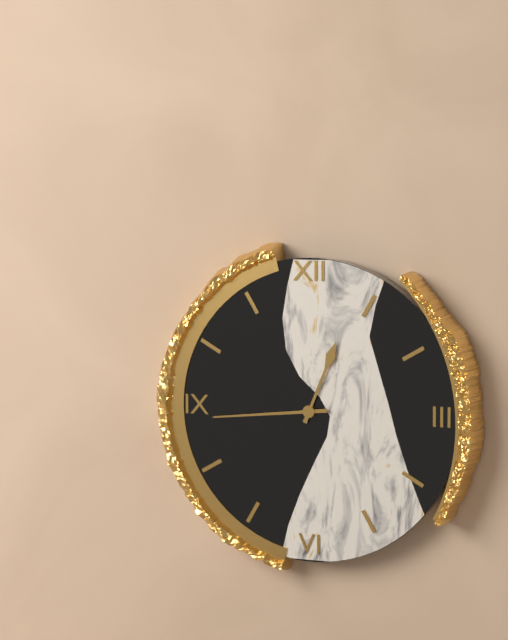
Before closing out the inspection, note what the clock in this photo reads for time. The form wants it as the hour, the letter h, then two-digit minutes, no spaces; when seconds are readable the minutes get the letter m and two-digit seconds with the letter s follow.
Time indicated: 12h44
